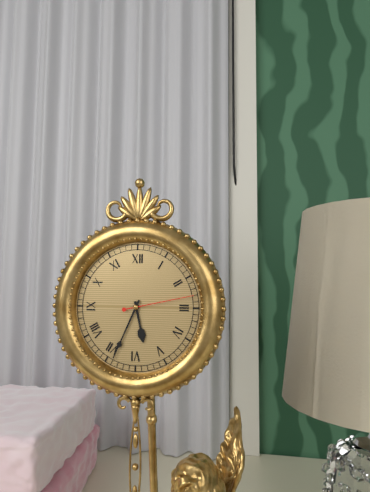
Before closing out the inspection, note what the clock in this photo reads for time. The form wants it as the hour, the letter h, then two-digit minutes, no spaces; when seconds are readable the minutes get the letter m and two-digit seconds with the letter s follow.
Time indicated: 5h34m13s
